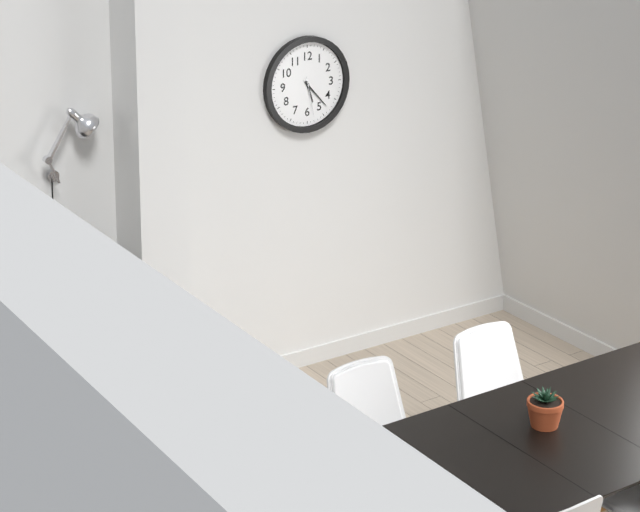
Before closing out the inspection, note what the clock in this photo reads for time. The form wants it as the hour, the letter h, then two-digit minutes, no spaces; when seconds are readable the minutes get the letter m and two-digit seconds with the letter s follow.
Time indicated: 5h23
